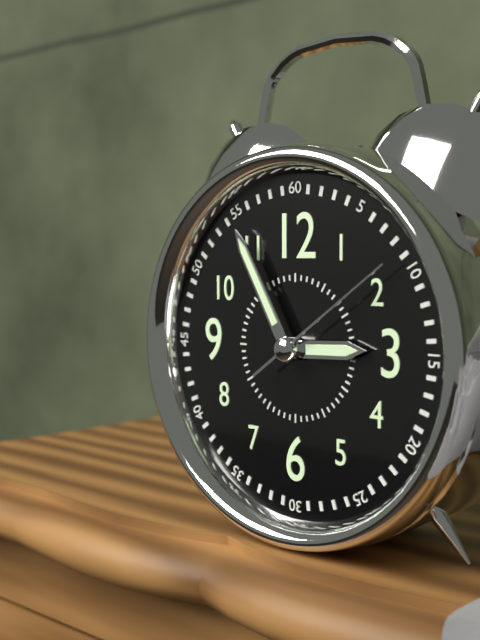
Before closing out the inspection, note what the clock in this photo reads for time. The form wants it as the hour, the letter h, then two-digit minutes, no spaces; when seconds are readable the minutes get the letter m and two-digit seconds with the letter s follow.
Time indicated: 2h55m09s
